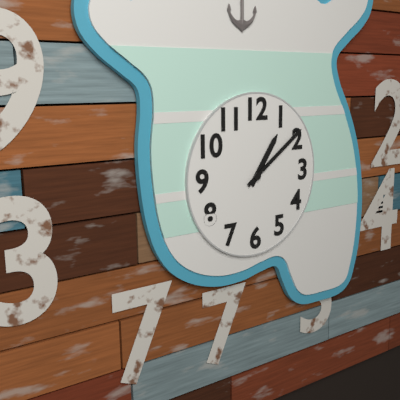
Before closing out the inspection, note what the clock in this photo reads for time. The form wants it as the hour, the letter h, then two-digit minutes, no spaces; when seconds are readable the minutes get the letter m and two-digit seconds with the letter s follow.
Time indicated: 1h09
